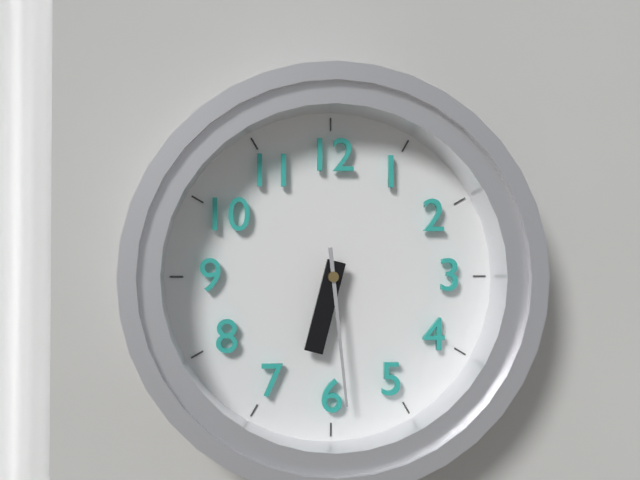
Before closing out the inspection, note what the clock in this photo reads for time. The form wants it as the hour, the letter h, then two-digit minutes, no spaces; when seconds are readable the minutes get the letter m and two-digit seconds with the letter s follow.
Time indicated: 6h29
